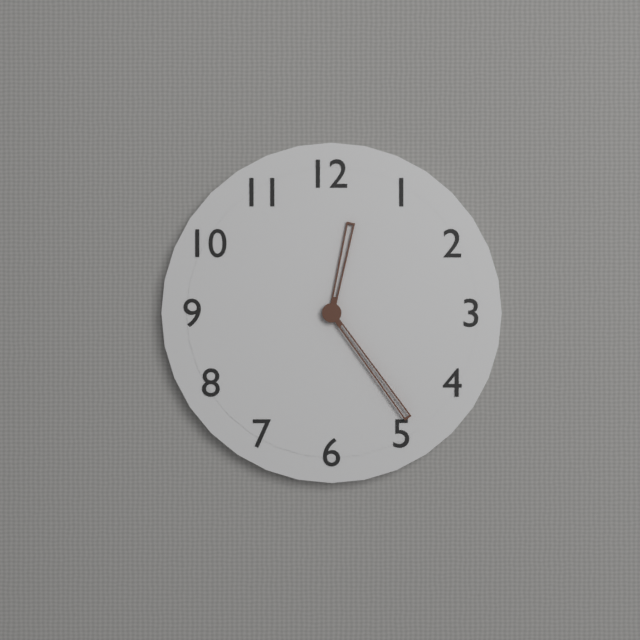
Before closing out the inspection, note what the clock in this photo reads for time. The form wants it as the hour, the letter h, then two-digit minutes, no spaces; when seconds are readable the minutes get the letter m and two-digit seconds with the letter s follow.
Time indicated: 12h24
